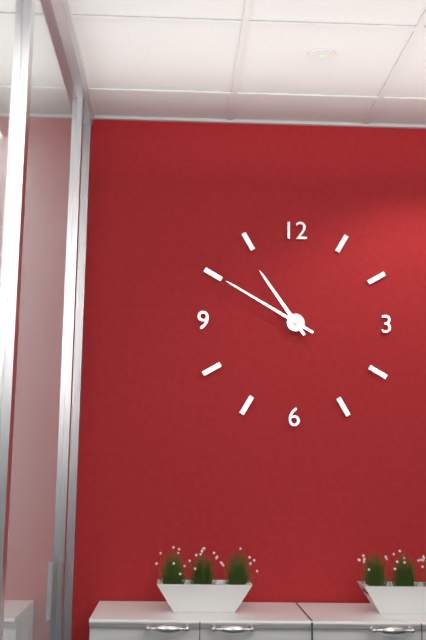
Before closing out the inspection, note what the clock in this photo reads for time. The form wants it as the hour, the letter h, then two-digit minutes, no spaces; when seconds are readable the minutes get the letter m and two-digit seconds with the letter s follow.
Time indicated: 10h50
